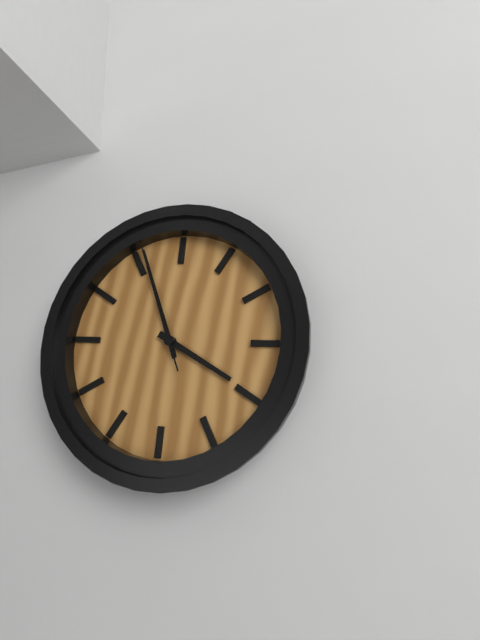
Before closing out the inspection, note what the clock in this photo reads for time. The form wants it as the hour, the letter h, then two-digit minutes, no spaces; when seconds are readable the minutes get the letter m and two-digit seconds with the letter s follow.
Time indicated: 3h56m56s
